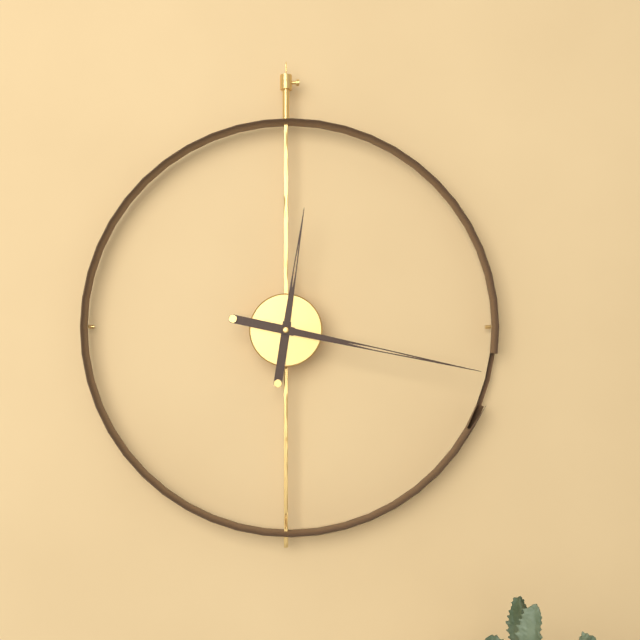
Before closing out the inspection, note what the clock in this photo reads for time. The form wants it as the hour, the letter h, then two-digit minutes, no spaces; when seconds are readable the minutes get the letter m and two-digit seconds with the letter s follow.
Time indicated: 12h17
